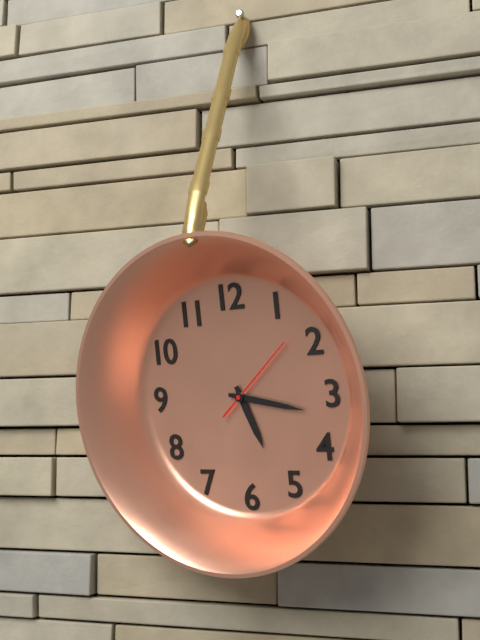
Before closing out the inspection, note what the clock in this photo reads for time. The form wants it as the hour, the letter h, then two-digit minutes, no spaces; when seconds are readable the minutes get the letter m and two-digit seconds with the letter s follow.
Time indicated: 5h17m08s
